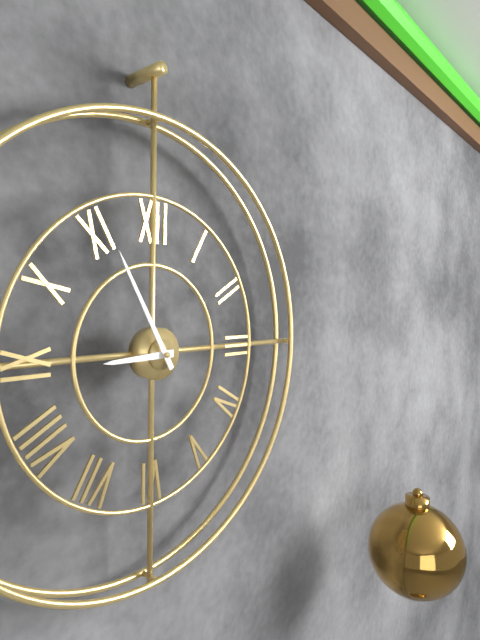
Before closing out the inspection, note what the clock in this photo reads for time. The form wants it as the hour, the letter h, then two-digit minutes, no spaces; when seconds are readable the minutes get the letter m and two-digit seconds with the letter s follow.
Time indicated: 8h55
